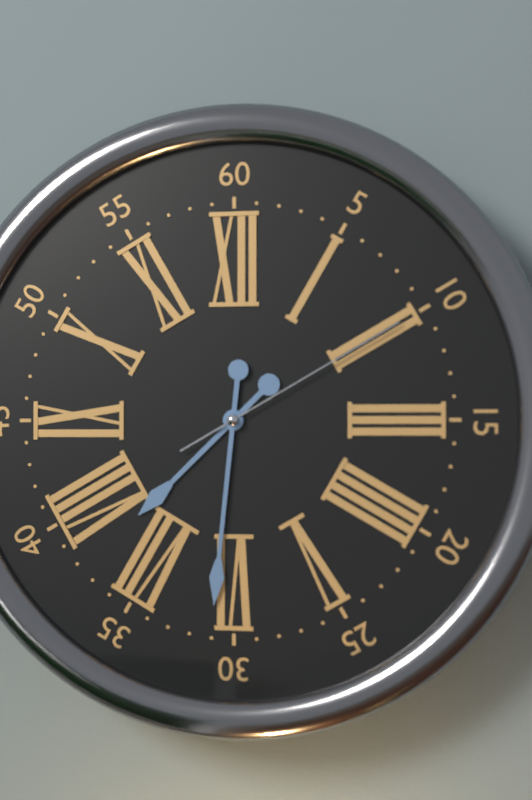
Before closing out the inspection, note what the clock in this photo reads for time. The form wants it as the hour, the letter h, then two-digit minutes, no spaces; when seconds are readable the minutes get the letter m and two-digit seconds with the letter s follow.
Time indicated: 7h31m10s
